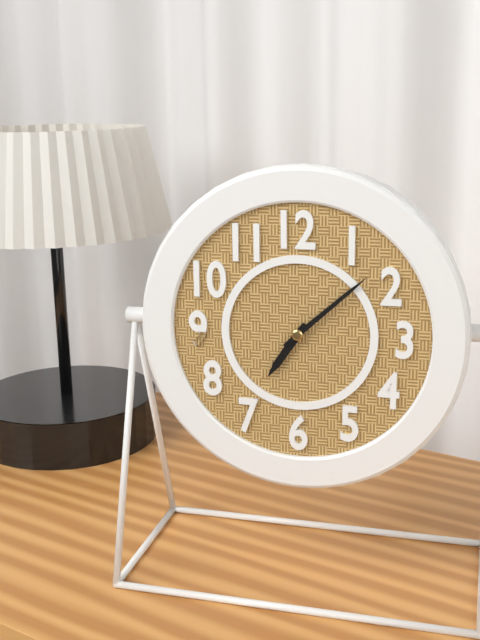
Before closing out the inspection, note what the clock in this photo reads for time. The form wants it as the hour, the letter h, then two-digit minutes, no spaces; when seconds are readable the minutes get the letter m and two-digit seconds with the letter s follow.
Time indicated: 7h08
